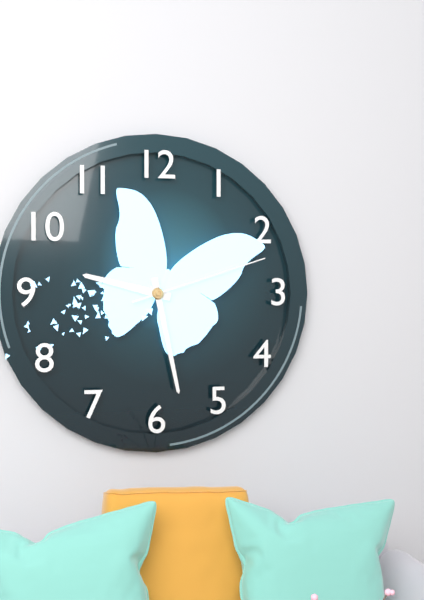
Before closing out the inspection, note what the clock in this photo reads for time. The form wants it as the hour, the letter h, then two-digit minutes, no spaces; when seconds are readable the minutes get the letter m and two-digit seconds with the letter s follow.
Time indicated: 9h28m12s
